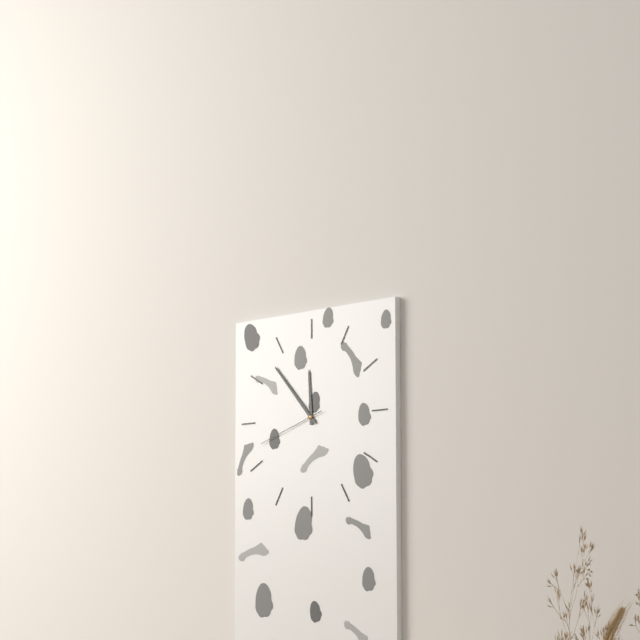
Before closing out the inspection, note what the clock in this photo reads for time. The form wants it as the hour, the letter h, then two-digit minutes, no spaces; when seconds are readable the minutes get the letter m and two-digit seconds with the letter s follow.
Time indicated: 11h53m42s
